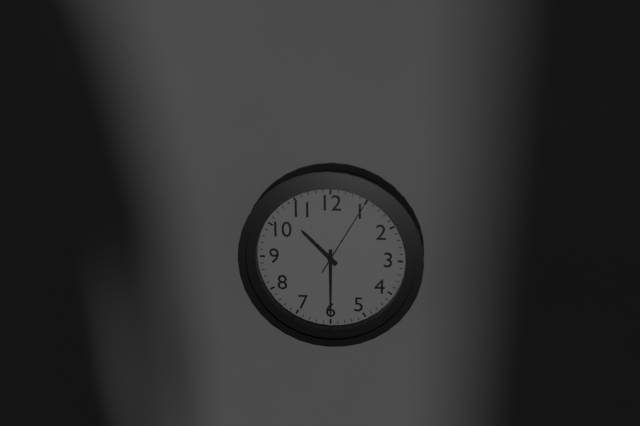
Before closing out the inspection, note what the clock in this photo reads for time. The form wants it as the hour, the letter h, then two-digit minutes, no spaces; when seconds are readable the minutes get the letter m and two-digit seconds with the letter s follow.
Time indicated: 10h30m05s
